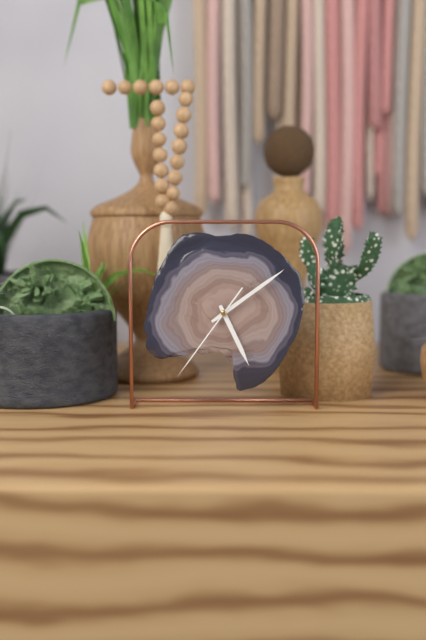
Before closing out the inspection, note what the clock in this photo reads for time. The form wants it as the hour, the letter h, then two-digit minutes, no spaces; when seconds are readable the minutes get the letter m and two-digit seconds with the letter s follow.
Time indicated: 5h09m36s
